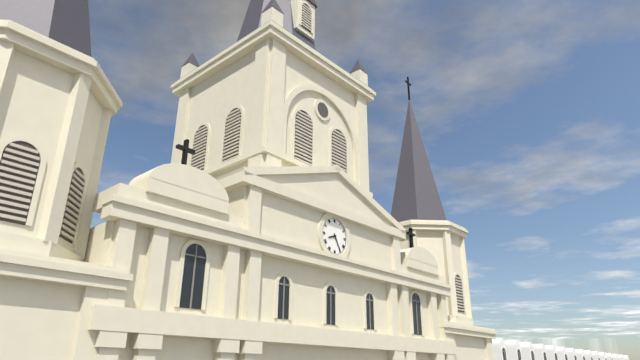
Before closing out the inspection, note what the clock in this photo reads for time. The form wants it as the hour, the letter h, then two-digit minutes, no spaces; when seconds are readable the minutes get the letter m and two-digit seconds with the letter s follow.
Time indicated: 8h25
